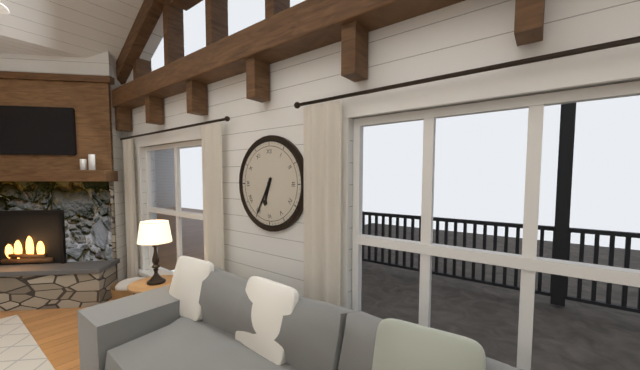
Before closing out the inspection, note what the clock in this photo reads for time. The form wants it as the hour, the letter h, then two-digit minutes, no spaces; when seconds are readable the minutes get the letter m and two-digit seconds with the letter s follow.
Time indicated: 6h35
